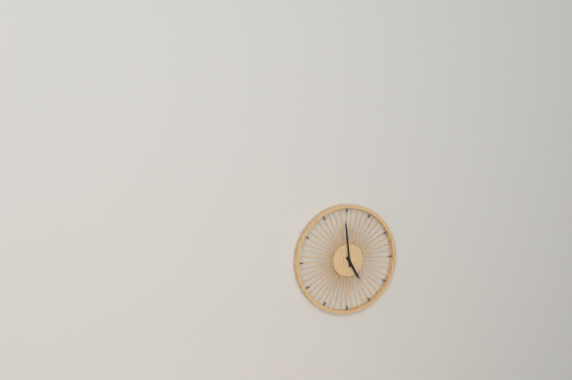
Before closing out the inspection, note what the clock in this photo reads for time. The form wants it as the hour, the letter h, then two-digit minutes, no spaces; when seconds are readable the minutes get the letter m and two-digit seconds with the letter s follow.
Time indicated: 4h59
